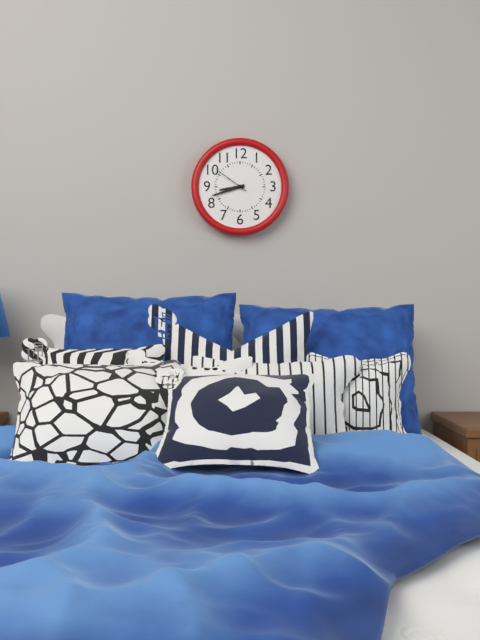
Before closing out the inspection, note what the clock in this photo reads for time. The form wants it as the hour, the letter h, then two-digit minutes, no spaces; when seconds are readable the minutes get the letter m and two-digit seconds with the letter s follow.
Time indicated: 8h42
